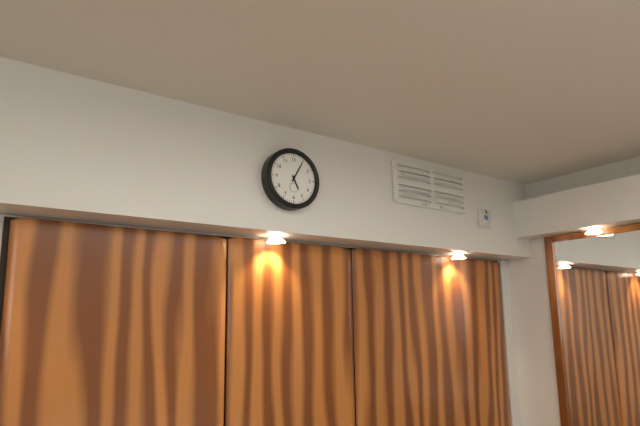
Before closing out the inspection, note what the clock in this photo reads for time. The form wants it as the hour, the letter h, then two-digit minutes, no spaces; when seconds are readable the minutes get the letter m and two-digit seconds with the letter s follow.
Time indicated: 5h05
